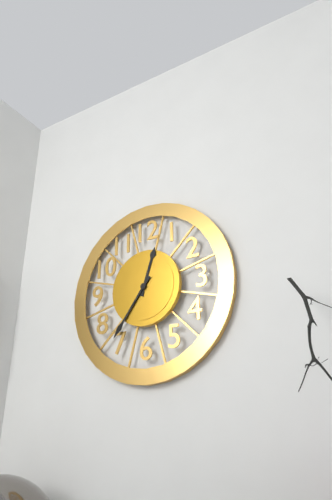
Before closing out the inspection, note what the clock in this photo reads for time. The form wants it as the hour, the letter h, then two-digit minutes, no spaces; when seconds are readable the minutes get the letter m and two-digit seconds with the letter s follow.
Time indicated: 12h36
